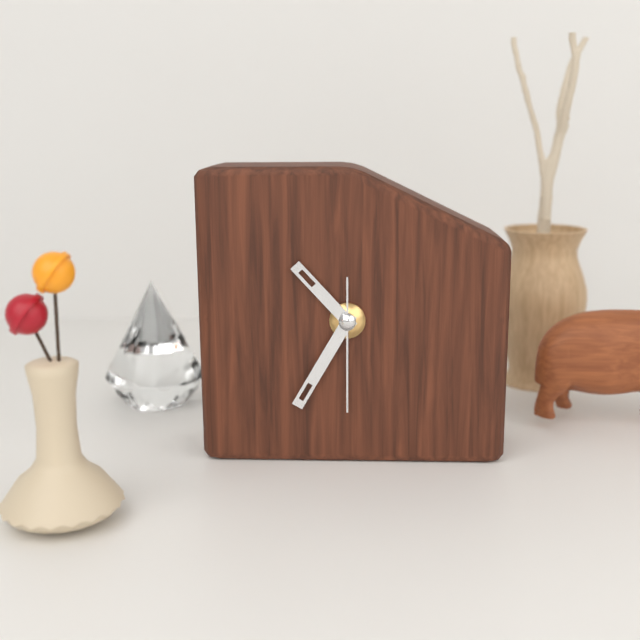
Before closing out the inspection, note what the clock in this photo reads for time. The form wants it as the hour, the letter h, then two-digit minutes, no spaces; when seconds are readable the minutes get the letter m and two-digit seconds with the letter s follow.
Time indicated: 10h35m30s
